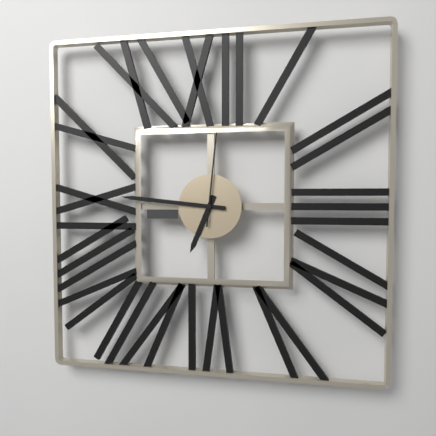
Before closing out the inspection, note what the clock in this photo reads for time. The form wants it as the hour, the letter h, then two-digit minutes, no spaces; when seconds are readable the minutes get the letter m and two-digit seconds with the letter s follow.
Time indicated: 6h46m01s
